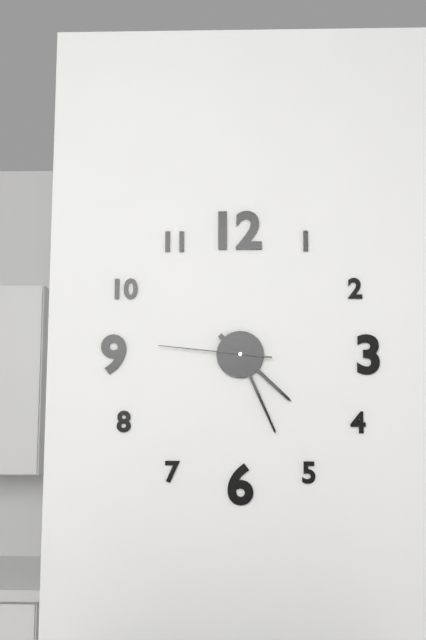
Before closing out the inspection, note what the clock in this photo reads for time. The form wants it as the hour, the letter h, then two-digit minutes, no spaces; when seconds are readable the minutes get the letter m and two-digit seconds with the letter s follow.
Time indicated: 4h26m46s
